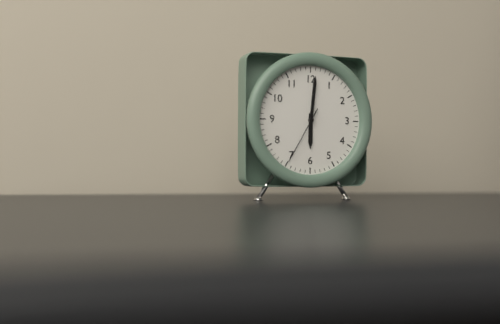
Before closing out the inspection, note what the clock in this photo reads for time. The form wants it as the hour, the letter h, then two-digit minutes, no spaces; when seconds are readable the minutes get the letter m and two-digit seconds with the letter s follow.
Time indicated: 6h01m35s
